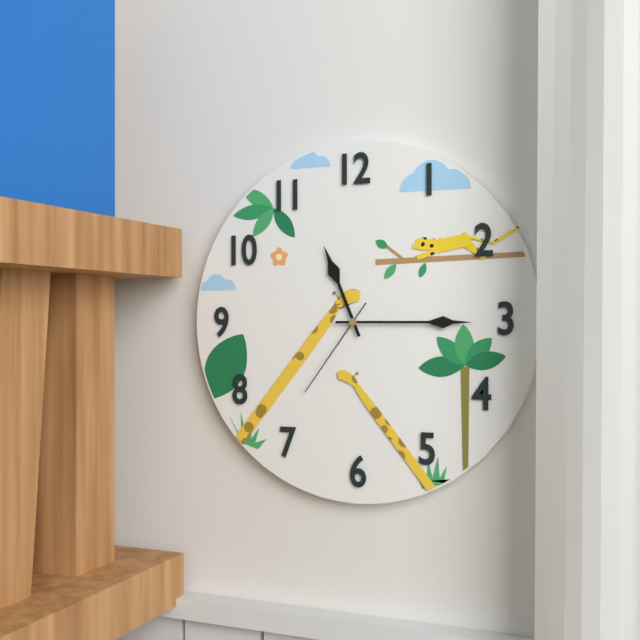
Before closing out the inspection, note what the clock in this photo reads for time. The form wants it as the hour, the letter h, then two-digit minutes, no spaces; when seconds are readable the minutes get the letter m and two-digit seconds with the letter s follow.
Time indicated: 11h15m36s
